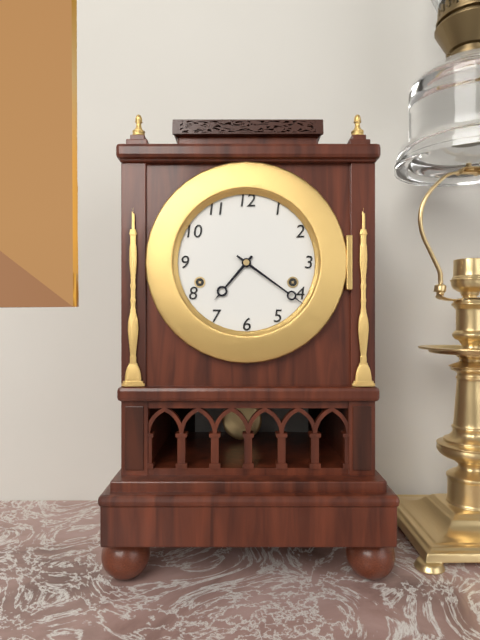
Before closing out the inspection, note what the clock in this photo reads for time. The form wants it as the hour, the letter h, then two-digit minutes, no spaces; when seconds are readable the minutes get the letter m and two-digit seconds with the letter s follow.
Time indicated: 7h21
